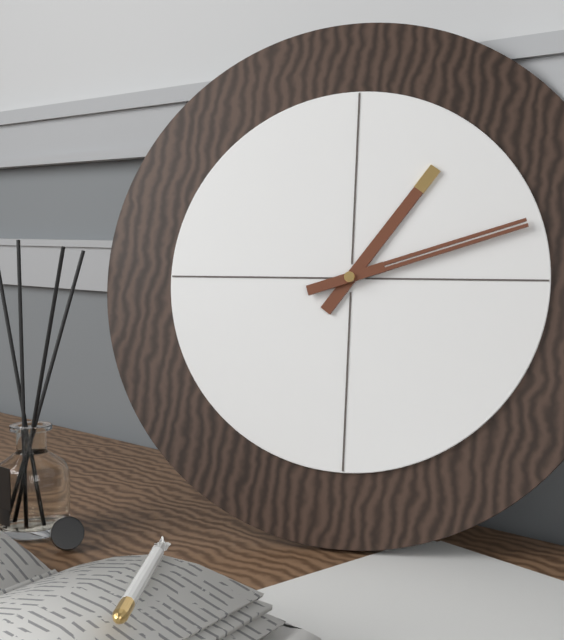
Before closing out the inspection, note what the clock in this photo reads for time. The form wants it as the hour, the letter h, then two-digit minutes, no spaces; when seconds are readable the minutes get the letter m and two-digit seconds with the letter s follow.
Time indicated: 1h12
